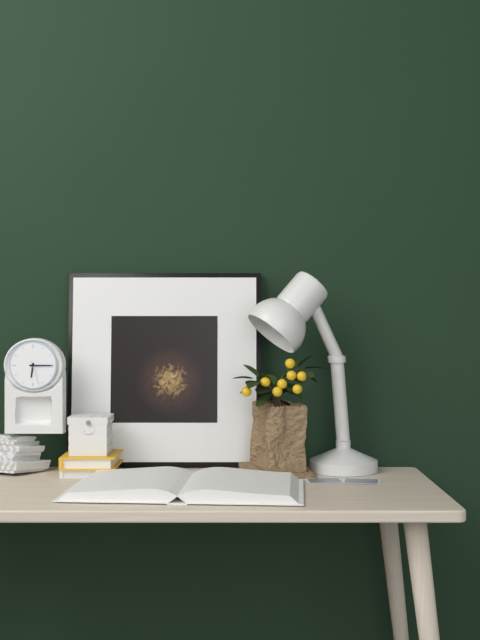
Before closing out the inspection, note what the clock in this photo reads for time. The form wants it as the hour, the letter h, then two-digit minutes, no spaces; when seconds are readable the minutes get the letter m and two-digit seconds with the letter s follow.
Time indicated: 6h15
